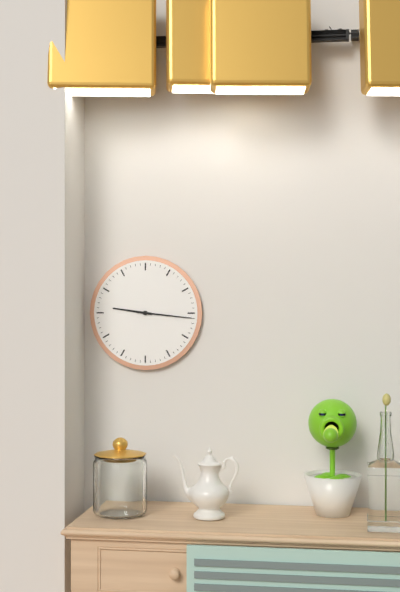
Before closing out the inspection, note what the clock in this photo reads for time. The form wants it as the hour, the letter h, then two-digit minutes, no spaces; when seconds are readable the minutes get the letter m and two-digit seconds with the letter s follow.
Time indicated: 9h16
